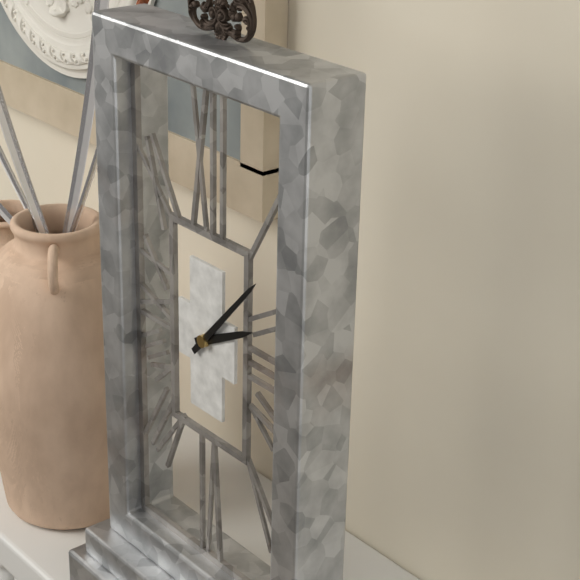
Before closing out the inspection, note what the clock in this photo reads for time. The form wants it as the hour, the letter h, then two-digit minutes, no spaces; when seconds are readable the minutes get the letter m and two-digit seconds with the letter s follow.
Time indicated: 2h07
